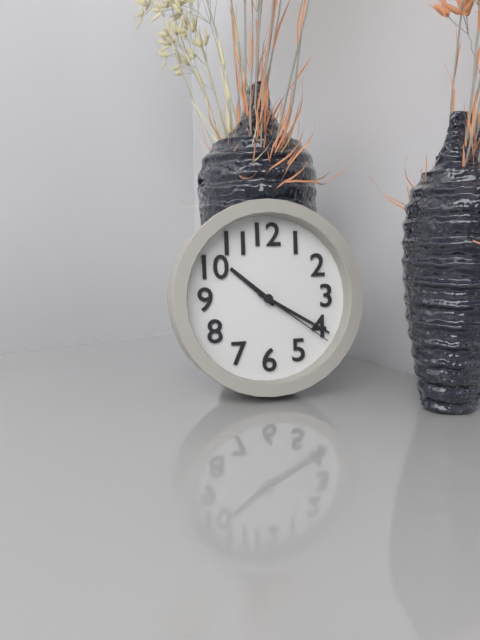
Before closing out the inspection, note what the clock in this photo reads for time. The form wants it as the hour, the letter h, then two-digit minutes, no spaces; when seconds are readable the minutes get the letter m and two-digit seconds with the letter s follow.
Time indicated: 10h20m21s
